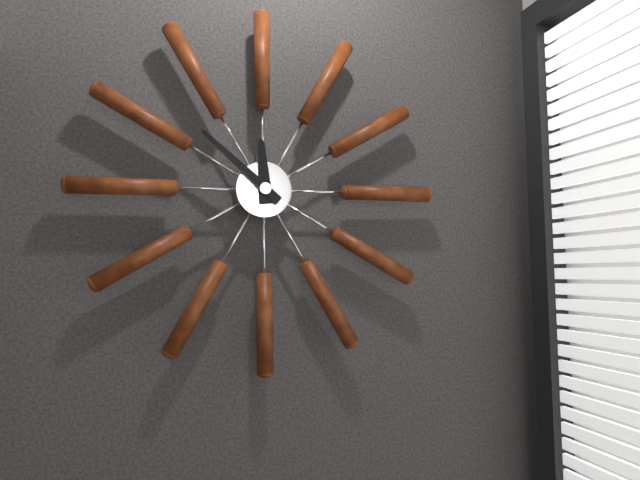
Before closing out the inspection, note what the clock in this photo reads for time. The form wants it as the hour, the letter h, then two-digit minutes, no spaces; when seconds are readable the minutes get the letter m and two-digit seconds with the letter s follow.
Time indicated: 11h52
